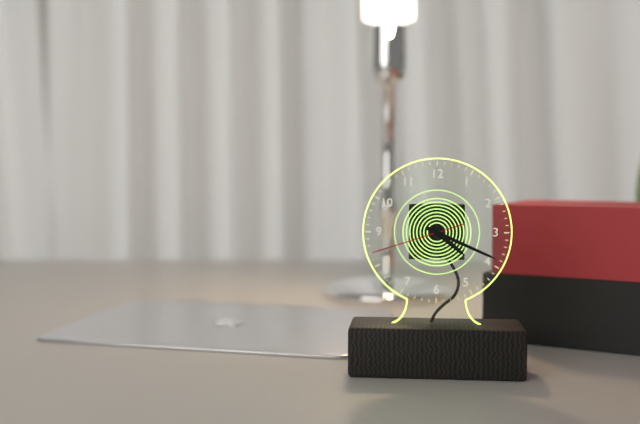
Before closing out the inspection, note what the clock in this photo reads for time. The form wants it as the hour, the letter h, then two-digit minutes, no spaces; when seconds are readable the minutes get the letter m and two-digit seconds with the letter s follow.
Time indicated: 4h19m42s
